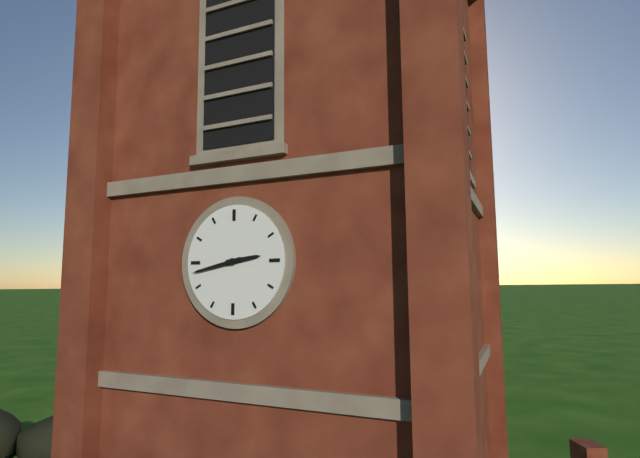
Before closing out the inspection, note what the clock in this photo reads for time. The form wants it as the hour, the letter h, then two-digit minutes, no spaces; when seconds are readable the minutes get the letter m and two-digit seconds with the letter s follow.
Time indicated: 2h43
